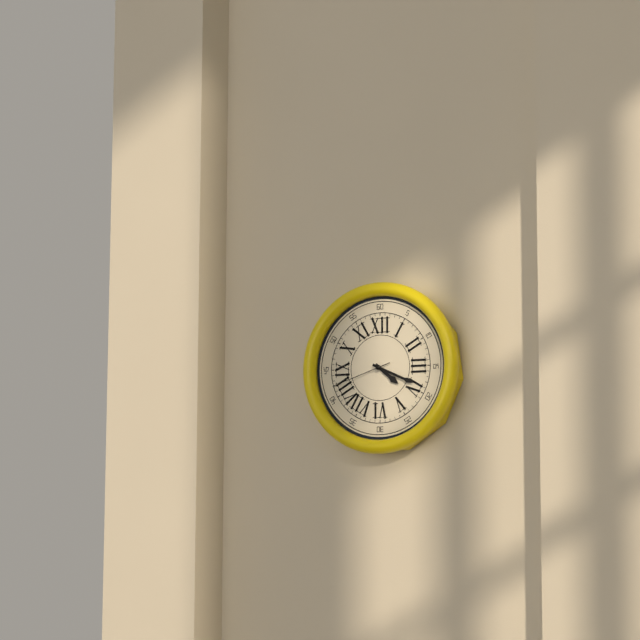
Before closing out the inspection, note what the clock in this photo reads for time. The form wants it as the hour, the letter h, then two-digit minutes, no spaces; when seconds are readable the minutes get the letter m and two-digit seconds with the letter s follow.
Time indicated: 4h19m42s
